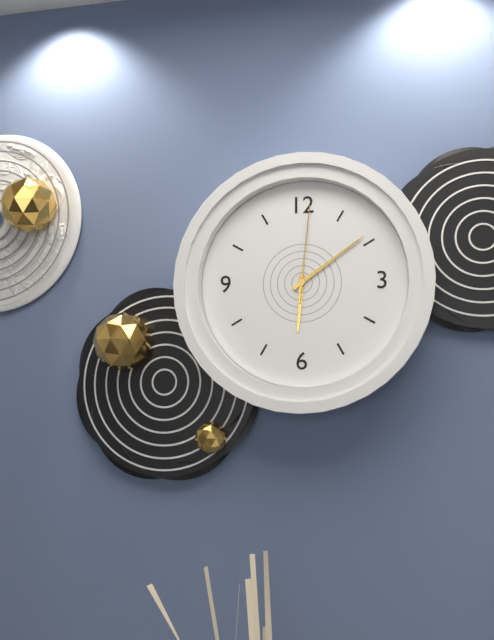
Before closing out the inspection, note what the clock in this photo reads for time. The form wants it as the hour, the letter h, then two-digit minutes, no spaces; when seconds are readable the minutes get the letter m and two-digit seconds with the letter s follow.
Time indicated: 6h09m01s
